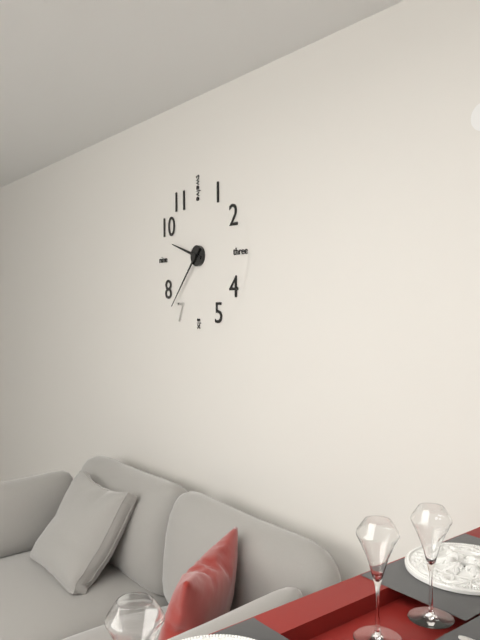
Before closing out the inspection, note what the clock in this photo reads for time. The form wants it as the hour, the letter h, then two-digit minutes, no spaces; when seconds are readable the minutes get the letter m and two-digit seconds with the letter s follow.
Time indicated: 9h37
